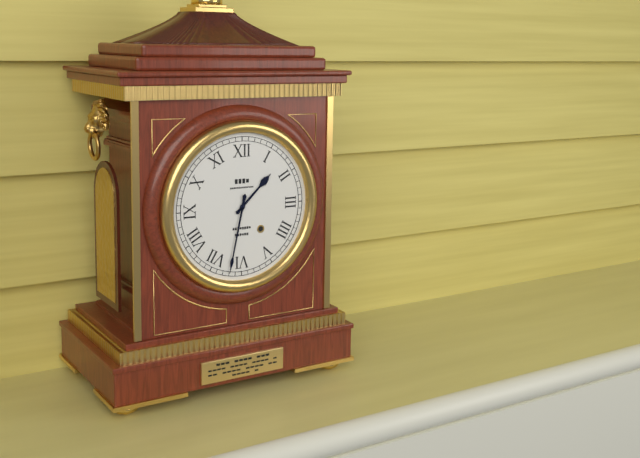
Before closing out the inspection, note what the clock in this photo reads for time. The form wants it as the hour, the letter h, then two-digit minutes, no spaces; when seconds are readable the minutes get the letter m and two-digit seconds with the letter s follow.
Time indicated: 1h32
